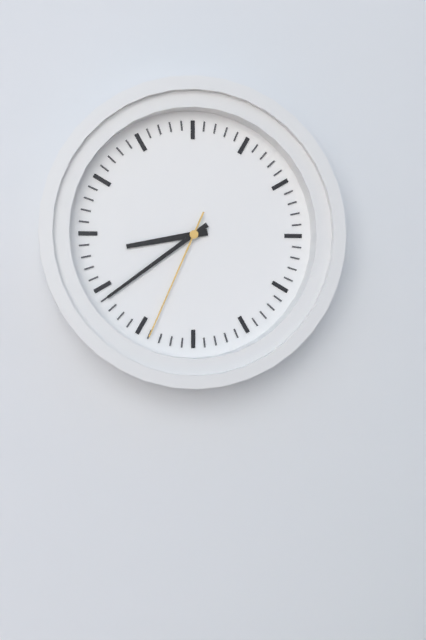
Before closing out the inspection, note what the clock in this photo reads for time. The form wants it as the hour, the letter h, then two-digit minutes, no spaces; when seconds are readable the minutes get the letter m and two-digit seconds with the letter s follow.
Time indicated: 8h39m34s
